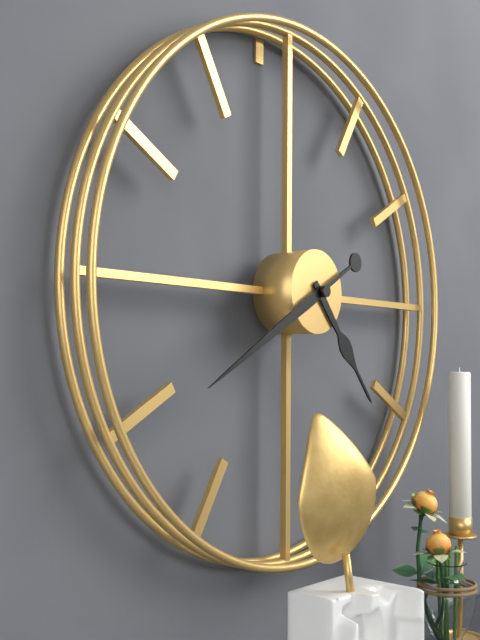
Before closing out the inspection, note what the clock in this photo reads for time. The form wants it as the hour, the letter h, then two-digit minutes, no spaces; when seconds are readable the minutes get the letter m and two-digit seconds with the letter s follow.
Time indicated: 4h40
